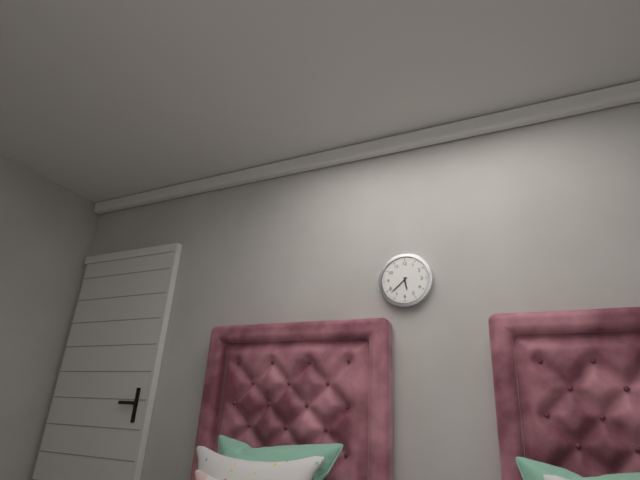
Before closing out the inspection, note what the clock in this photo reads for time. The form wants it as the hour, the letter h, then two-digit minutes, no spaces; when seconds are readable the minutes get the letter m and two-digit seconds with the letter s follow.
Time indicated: 5h38
